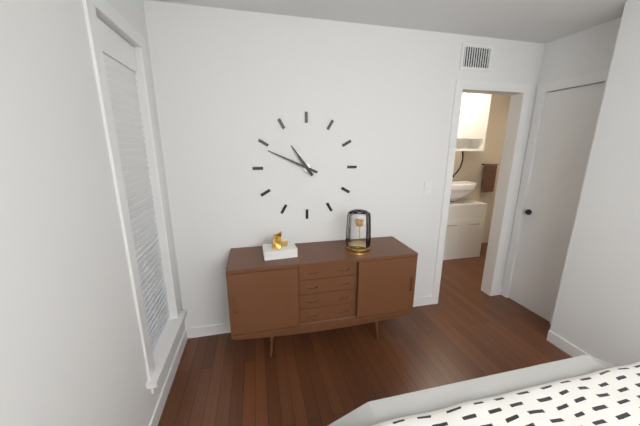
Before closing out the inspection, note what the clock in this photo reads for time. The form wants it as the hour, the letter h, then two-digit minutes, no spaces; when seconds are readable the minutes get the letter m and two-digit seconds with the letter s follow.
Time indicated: 10h49
